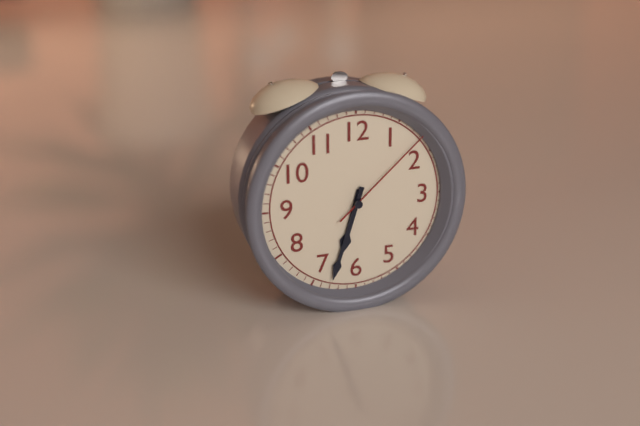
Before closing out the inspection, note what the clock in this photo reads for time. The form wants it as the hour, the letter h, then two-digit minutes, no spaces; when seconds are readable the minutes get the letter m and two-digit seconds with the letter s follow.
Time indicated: 6h33m08s
